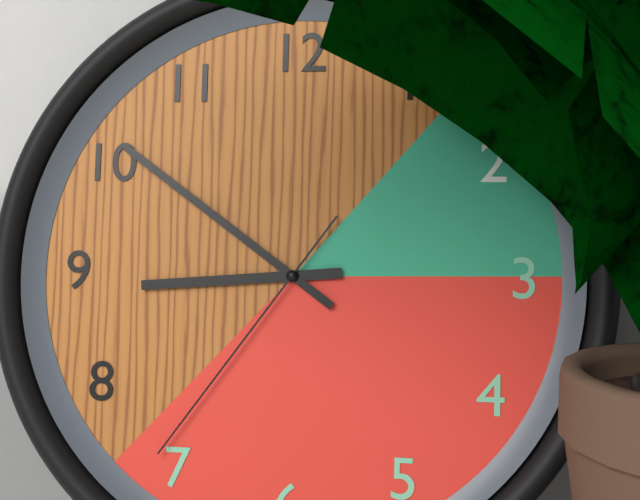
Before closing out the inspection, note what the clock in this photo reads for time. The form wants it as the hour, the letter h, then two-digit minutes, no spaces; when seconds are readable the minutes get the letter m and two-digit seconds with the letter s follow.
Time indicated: 8h51m36s
